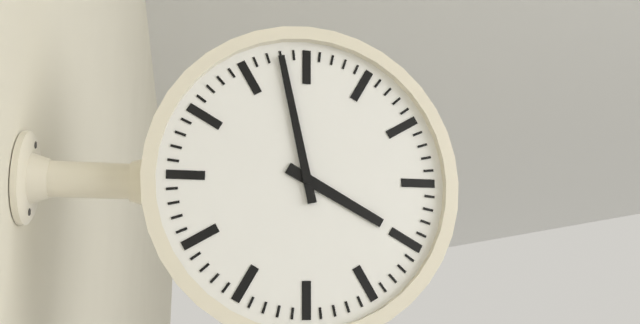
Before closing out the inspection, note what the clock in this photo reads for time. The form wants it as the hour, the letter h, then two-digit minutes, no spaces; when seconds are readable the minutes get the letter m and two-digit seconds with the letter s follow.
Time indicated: 3h58
